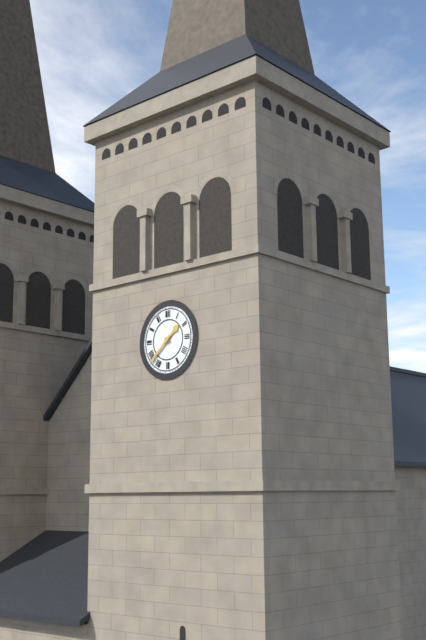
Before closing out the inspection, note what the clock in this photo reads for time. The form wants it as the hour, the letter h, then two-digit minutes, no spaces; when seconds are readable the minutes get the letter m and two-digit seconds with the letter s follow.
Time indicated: 1h38
